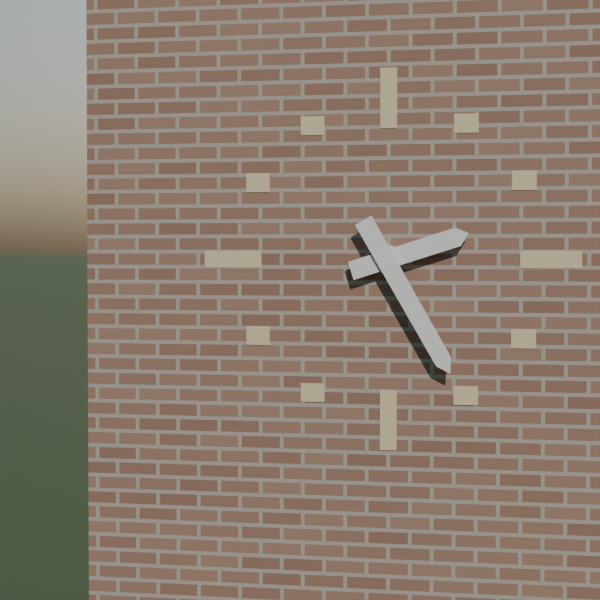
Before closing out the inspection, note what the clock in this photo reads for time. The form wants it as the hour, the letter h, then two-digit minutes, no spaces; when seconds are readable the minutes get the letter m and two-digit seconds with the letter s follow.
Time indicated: 2h25
